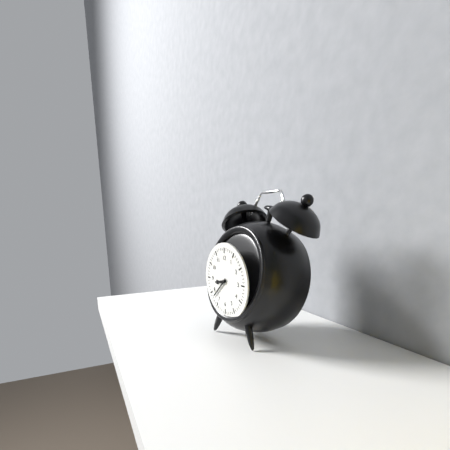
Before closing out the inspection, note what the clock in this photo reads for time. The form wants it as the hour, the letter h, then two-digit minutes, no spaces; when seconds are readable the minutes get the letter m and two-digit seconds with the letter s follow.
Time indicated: 8h38
